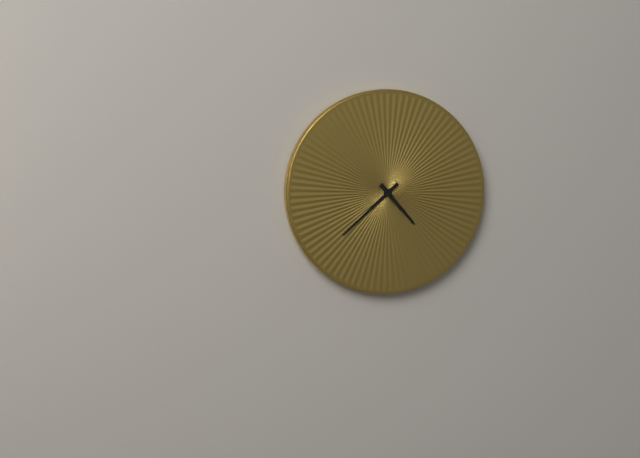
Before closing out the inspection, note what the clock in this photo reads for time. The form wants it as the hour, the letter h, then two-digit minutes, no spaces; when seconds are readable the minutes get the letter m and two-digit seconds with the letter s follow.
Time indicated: 4h38
